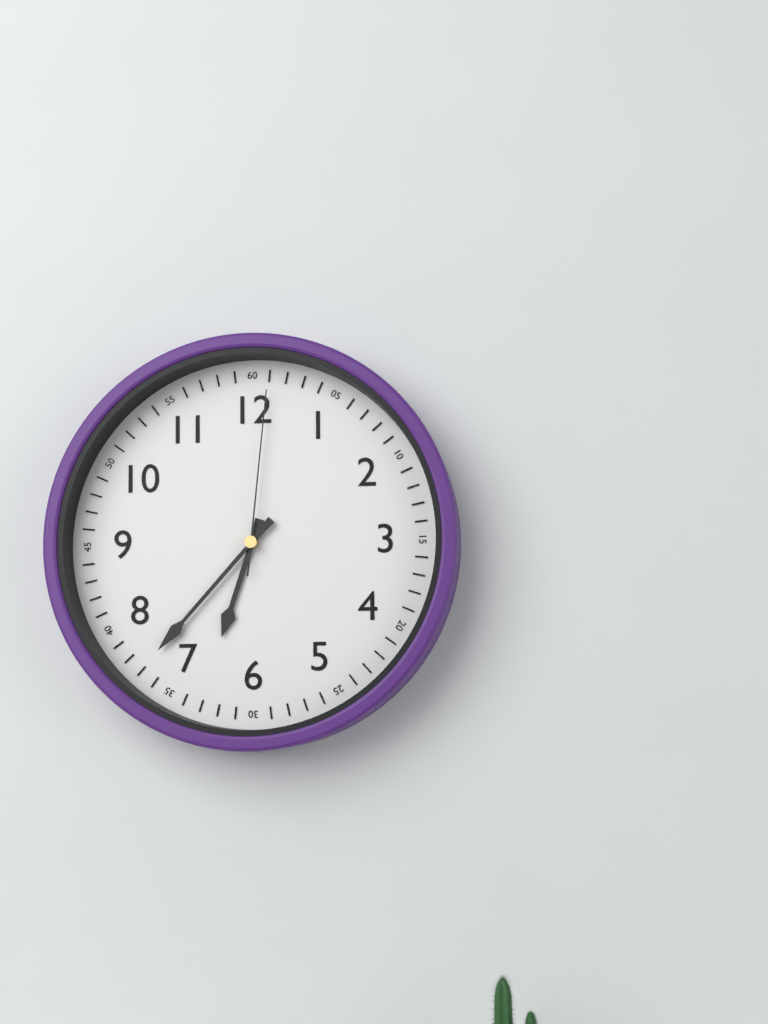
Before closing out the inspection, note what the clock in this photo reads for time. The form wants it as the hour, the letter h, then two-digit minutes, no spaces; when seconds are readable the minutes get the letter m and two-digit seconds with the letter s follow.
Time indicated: 6h37m01s
